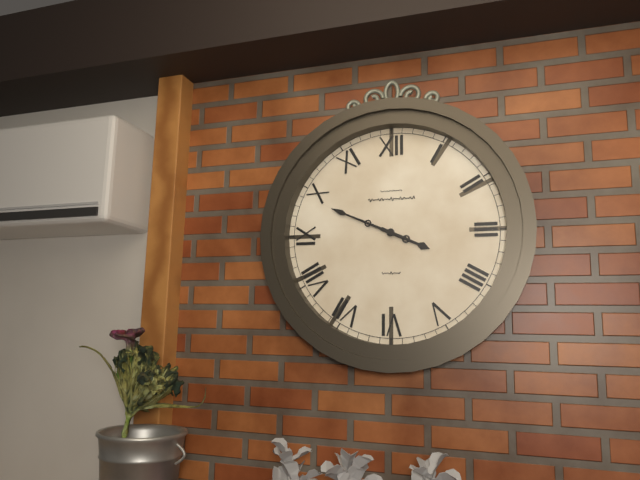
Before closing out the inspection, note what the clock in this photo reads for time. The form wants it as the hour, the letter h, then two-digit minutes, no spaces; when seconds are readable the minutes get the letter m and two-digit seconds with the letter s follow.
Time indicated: 3h49
